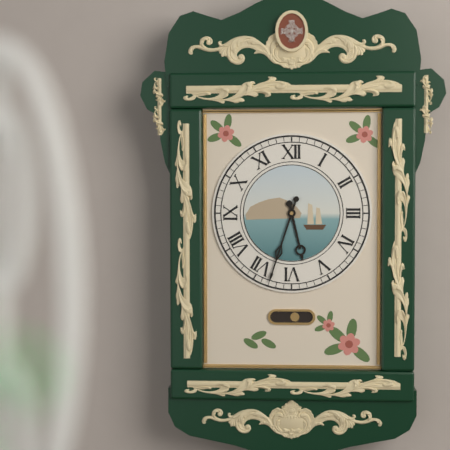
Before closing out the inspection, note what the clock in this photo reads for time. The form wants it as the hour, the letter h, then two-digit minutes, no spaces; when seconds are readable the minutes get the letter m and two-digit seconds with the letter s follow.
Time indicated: 5h33
